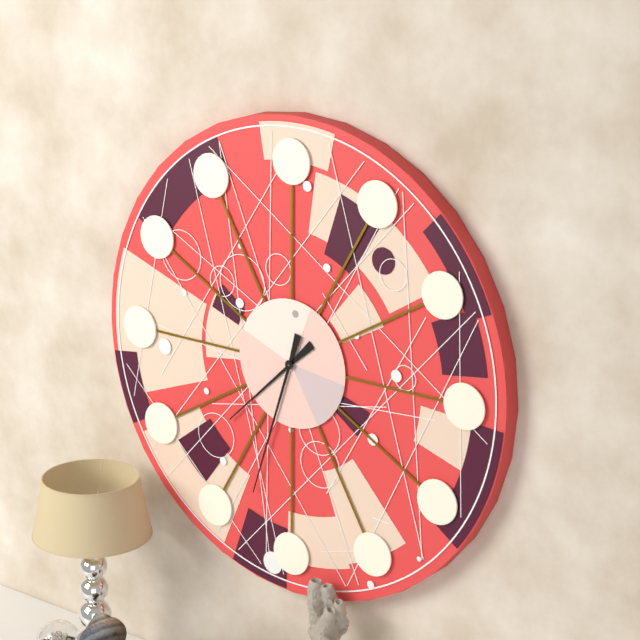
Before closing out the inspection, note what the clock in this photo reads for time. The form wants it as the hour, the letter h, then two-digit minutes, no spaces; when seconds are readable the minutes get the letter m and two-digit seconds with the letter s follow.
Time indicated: 7h33
